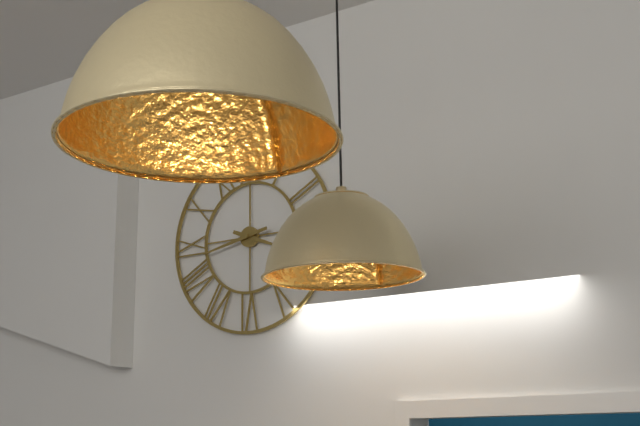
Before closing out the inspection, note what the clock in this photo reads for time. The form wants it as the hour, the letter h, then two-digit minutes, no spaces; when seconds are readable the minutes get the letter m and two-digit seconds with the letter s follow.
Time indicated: 3h43
